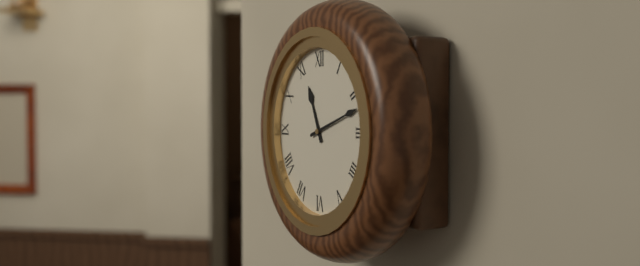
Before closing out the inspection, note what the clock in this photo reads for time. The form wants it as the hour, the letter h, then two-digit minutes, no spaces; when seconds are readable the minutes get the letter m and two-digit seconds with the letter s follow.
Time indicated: 11h12
